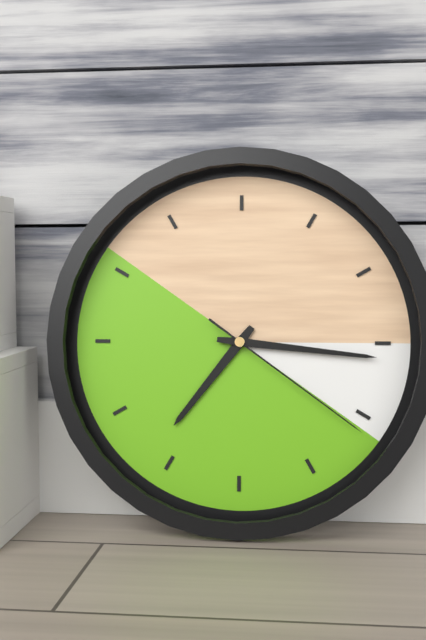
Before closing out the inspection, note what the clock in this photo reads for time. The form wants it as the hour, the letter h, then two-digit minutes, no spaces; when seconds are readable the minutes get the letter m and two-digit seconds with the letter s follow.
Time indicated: 7h16m21s
